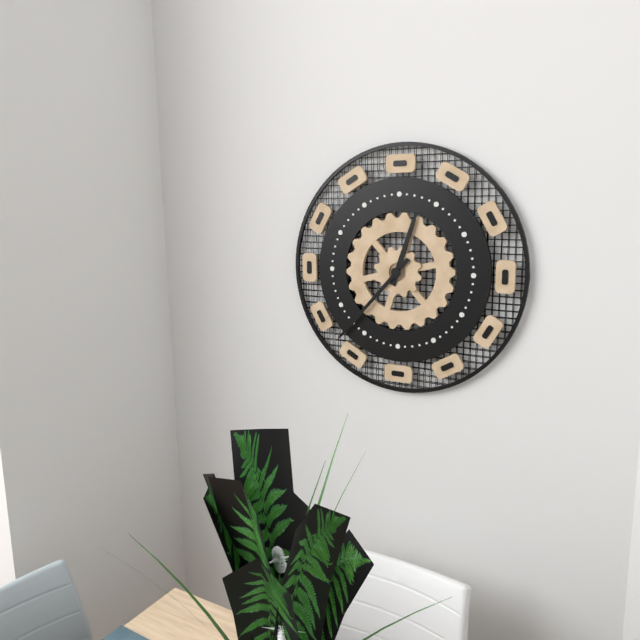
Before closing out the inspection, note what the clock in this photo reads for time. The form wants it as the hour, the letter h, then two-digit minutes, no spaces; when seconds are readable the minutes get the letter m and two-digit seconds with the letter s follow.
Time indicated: 12h37
